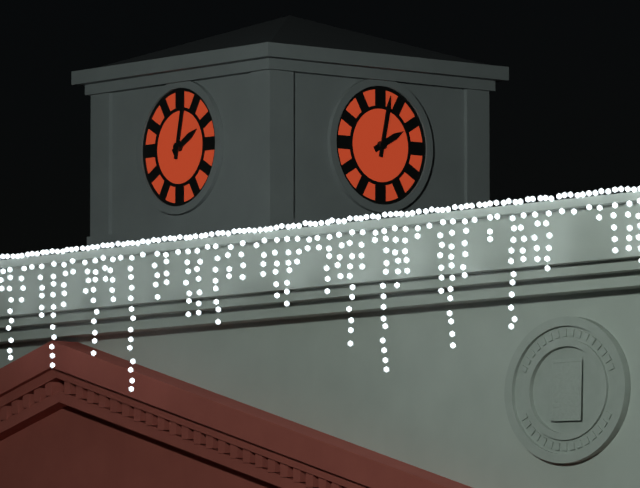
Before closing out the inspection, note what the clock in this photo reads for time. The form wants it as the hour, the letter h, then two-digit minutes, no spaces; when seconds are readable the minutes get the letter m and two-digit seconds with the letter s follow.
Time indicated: 2h02
